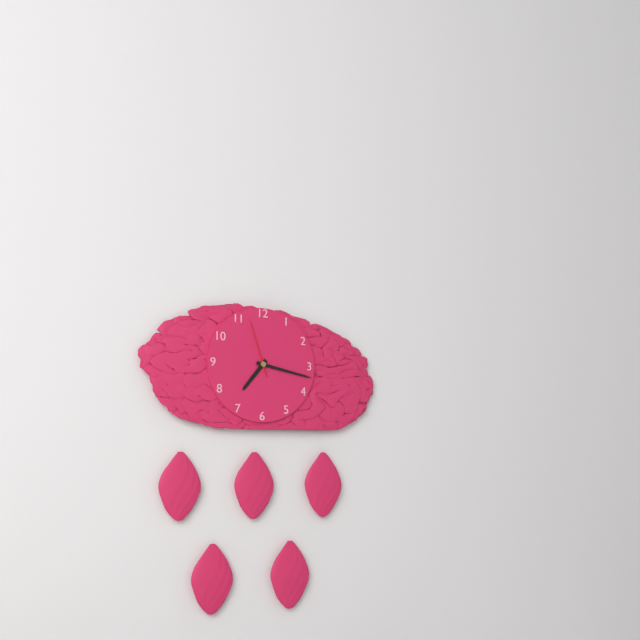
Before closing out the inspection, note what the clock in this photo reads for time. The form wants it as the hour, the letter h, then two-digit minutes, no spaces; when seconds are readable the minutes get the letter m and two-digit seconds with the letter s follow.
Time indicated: 7h17m57s
